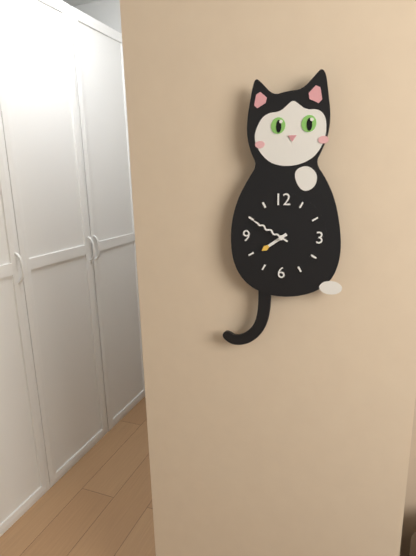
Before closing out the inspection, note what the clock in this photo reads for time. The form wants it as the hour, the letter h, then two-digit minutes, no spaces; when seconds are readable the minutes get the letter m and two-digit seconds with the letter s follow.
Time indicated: 7h50
